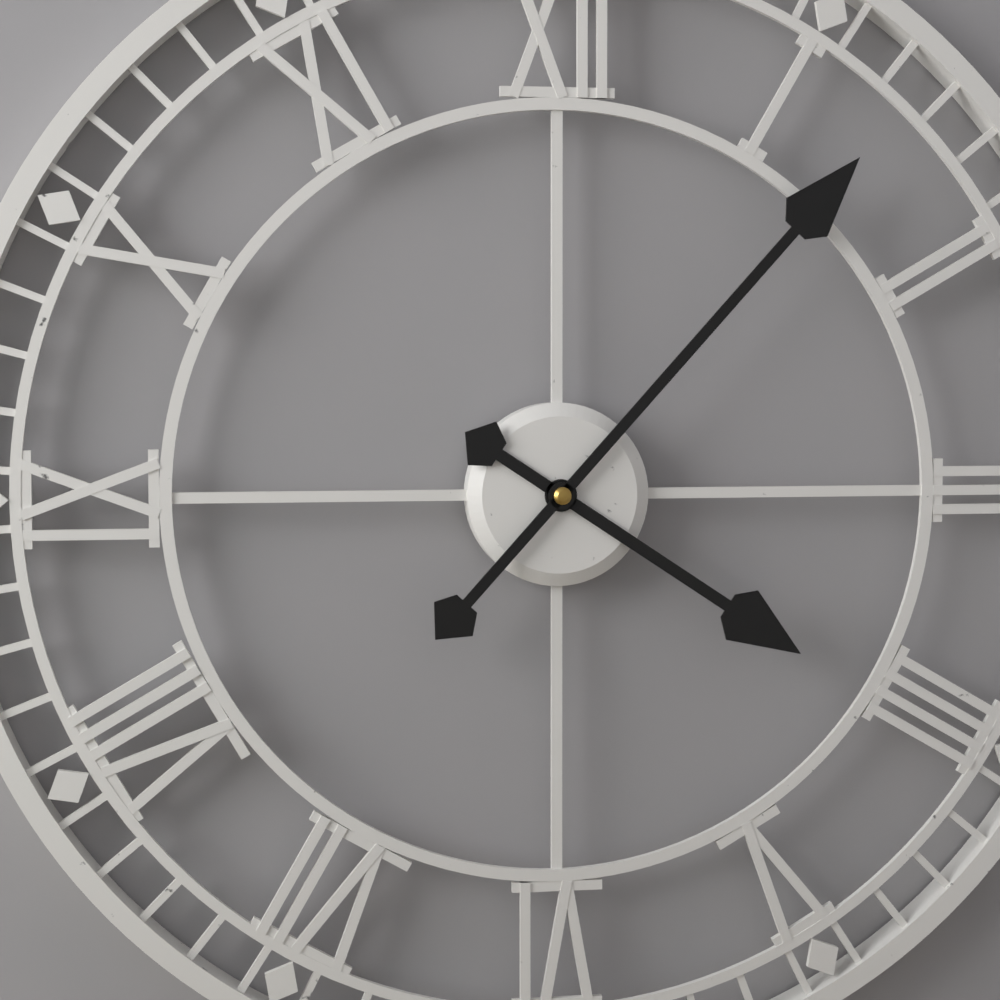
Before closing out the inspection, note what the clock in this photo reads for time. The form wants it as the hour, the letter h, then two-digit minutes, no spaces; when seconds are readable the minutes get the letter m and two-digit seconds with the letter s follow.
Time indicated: 4h07
